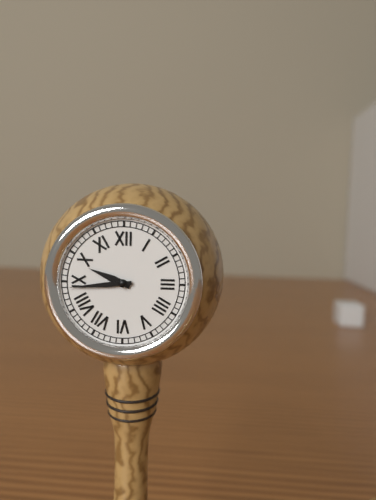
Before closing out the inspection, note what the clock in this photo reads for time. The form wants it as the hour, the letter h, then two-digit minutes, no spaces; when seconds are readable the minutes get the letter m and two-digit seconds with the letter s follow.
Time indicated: 9h44
